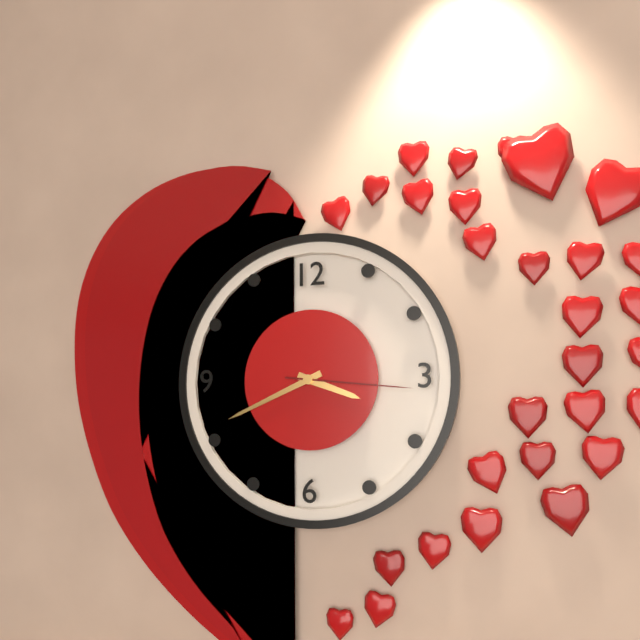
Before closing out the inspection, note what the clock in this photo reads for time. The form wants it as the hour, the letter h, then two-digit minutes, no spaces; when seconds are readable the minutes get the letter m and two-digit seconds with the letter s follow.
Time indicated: 3h41m16s
